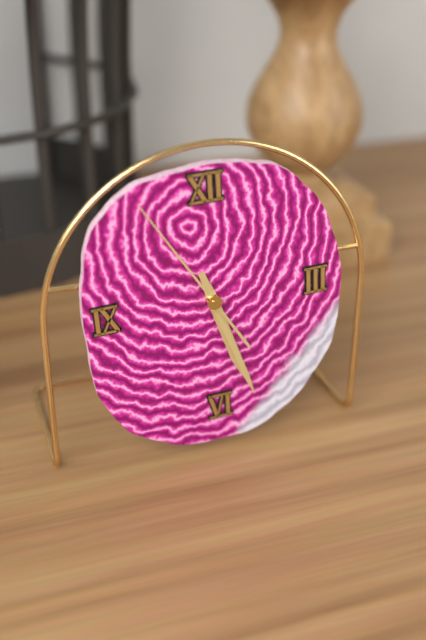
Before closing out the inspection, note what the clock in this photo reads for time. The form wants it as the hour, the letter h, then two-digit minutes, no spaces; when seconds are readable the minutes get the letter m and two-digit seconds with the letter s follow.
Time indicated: 5h27m55s
